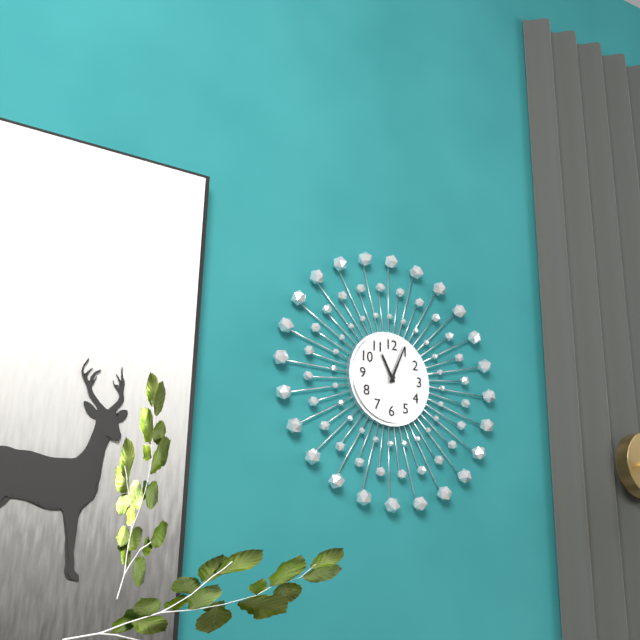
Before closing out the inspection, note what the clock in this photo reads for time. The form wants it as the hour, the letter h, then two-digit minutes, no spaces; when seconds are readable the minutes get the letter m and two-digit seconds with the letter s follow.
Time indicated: 11h04
